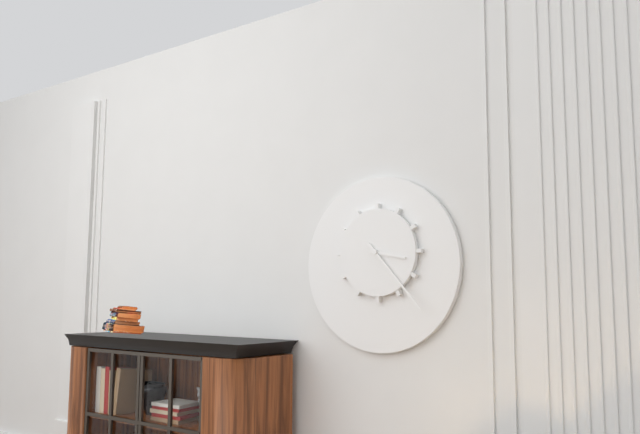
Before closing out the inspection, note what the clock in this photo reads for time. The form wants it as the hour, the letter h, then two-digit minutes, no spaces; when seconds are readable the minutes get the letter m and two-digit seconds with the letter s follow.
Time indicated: 3h23
